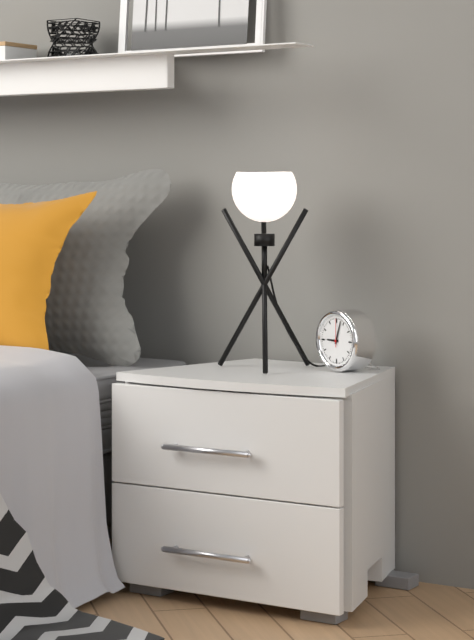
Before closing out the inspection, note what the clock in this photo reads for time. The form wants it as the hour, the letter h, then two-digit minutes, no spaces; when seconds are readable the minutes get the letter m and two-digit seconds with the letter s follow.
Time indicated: 9h03
